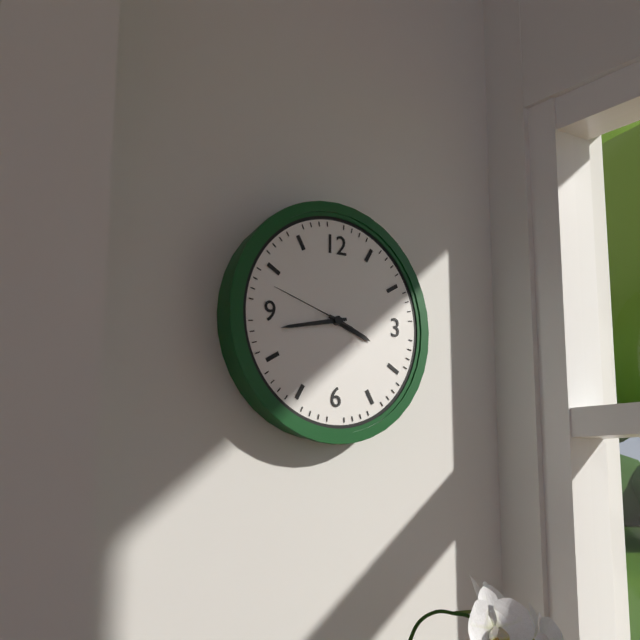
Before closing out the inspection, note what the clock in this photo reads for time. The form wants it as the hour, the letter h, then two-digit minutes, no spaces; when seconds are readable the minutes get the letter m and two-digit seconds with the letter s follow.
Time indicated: 3h43m48s
